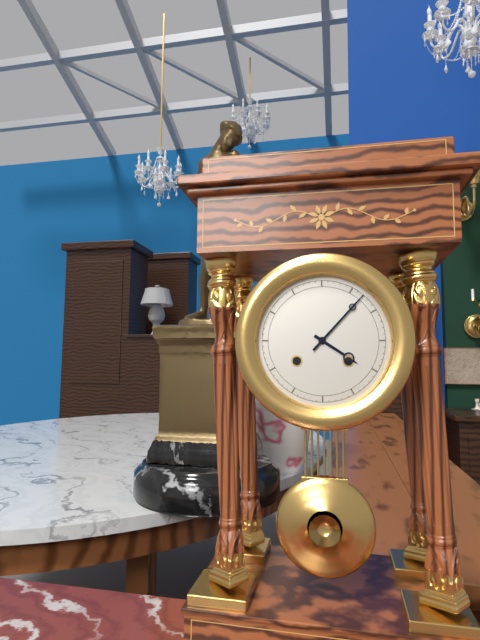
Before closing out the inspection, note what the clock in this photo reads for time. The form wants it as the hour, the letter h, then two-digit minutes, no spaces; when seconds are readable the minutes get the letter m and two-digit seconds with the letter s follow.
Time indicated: 4h07
